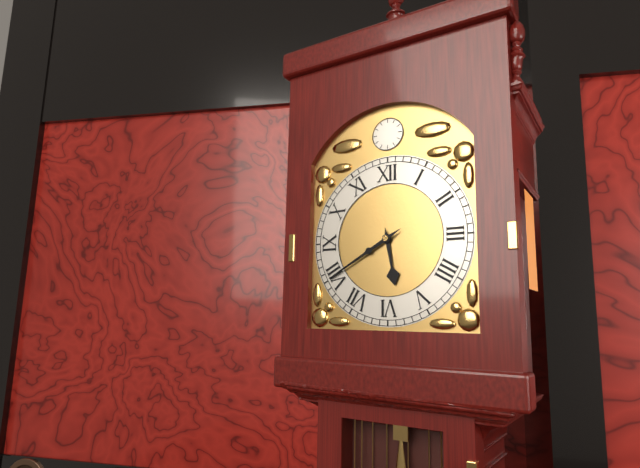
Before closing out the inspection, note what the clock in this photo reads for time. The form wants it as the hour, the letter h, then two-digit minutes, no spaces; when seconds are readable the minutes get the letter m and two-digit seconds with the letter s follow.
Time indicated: 5h40
